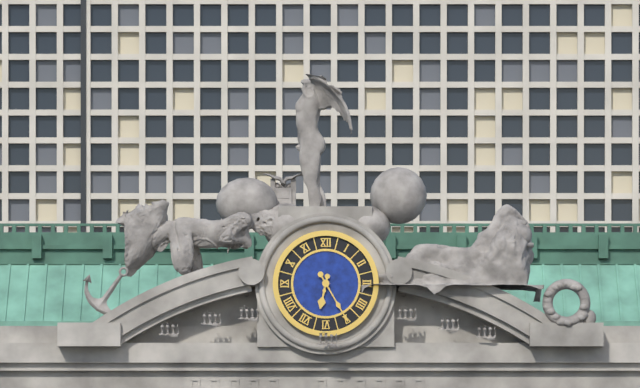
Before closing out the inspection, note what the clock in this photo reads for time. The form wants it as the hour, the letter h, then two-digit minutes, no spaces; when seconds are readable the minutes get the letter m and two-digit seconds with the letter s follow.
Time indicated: 6h25
